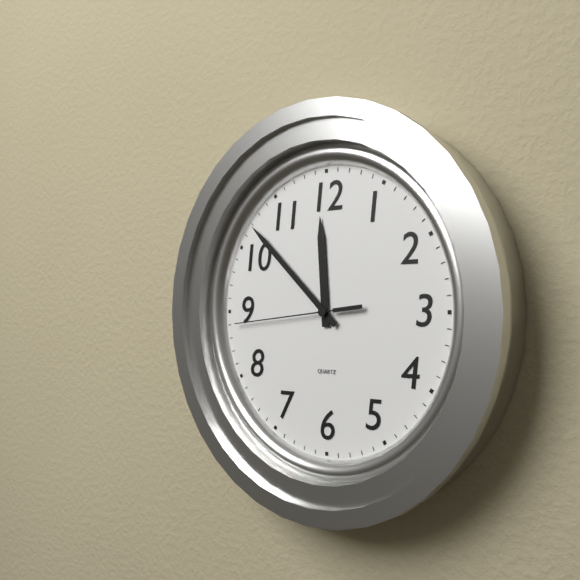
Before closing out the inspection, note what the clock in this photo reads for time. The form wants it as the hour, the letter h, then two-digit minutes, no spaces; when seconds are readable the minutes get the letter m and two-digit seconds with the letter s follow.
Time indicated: 11h52m44s
